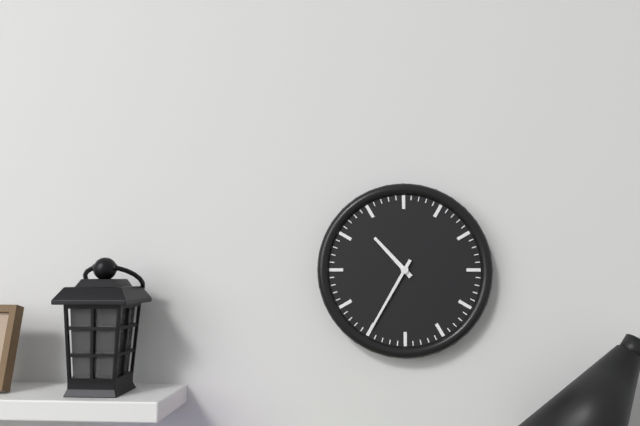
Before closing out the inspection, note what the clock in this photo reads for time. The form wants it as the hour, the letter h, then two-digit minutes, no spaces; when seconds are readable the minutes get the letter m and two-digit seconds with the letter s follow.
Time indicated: 10h35
